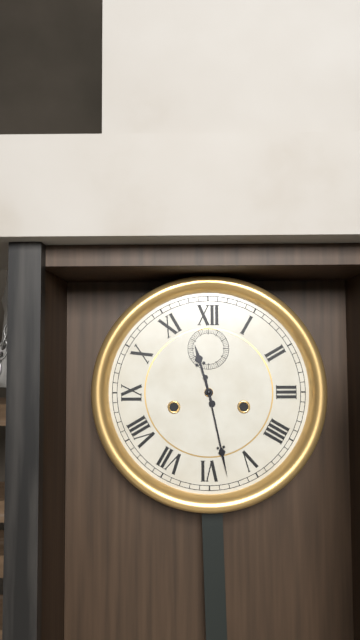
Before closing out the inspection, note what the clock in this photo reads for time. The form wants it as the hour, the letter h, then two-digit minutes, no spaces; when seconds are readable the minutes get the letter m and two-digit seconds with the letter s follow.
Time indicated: 11h28
